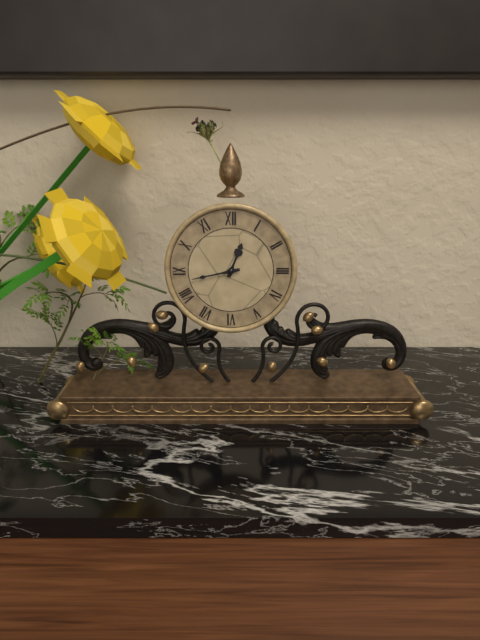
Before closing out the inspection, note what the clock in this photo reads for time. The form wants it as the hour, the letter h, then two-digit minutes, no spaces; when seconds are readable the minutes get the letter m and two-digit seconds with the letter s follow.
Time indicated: 12h43
